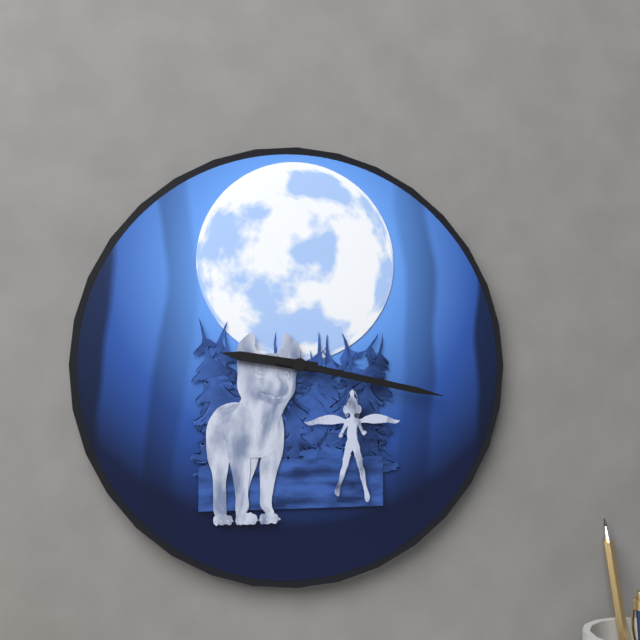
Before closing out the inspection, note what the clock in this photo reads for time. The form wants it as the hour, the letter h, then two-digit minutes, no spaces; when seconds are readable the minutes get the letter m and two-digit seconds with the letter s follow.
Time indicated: 9h17
